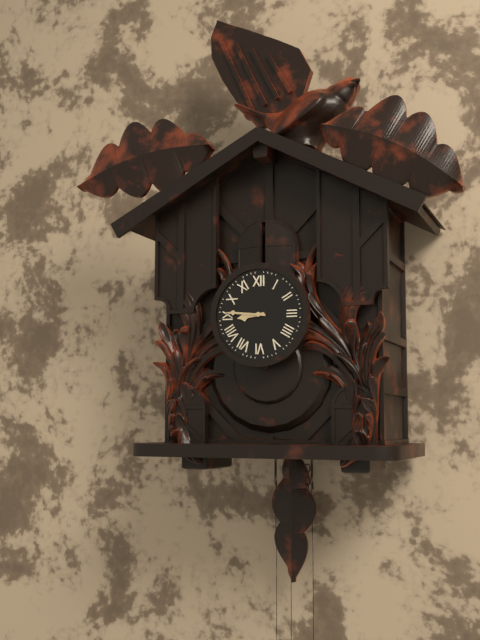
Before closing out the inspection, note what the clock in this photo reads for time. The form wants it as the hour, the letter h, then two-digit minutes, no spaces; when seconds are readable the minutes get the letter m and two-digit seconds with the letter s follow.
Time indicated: 8h46
